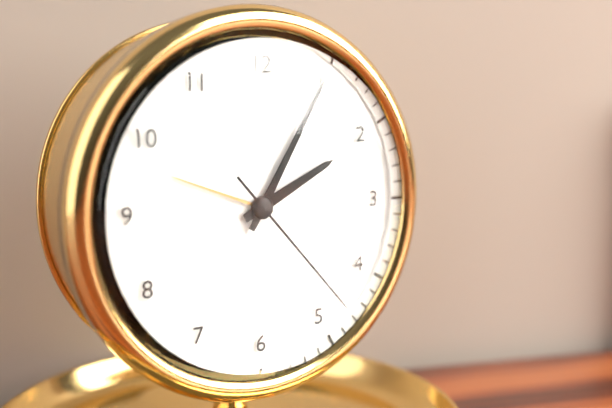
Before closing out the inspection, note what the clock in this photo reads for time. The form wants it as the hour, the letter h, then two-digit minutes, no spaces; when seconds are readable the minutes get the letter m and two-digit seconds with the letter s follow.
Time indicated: 2h05m23s
